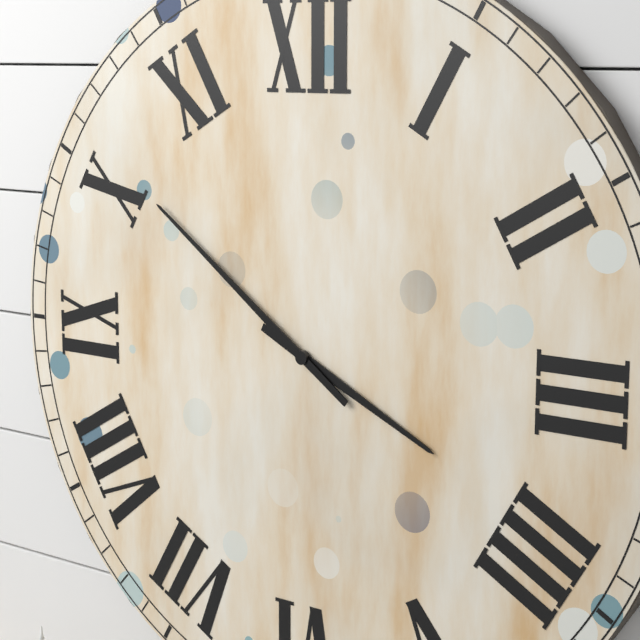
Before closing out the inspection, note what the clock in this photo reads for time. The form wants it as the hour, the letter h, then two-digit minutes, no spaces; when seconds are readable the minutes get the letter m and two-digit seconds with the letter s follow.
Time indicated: 3h51
